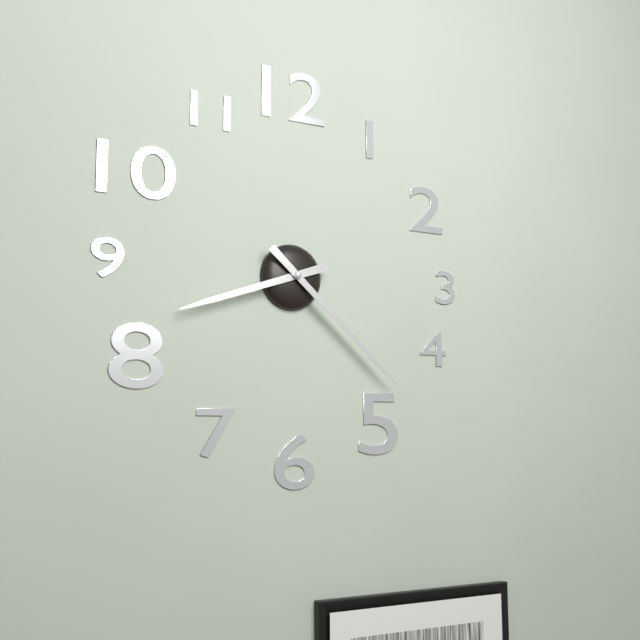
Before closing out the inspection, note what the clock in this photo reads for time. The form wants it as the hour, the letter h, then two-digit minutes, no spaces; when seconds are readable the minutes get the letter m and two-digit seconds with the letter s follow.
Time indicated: 8h22
